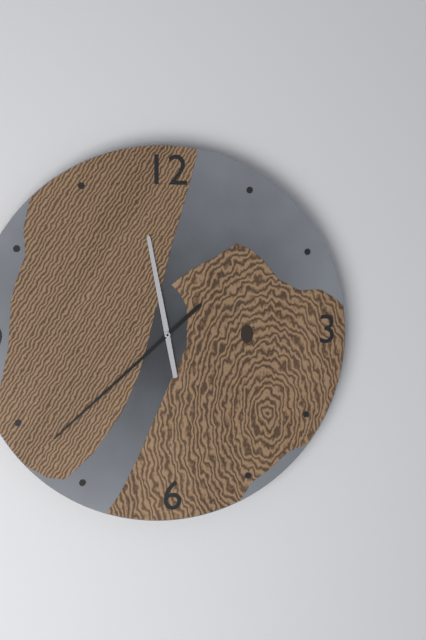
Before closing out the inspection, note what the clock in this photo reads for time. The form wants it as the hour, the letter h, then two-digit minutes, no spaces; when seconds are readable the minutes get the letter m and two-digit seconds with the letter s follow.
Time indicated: 11h38
